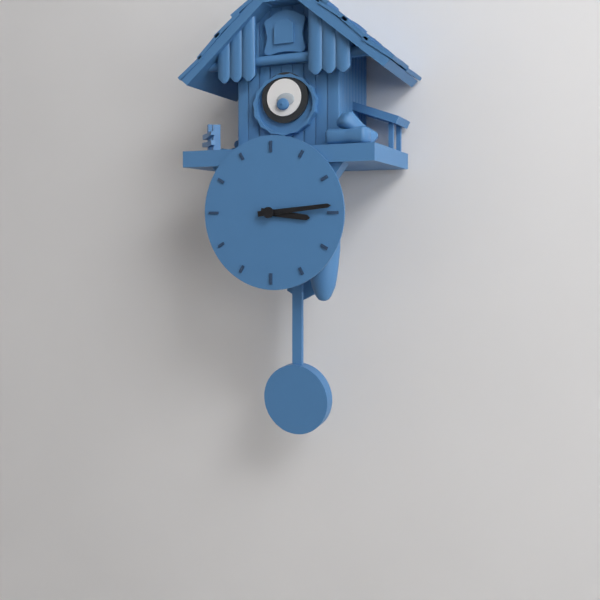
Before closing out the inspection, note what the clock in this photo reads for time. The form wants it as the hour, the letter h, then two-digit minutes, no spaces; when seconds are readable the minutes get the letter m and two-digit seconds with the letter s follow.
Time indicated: 3h14
